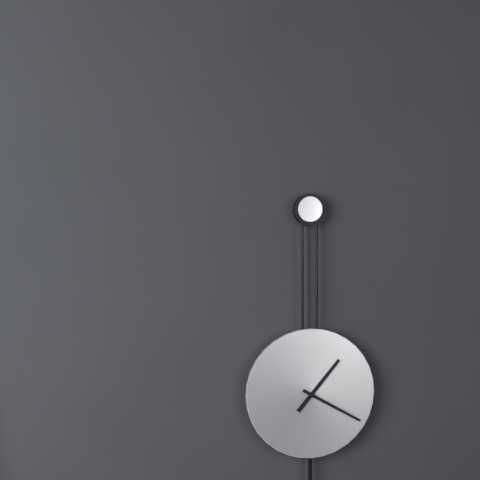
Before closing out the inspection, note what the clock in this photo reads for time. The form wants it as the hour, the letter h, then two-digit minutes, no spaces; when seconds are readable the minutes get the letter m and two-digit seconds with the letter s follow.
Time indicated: 1h20
